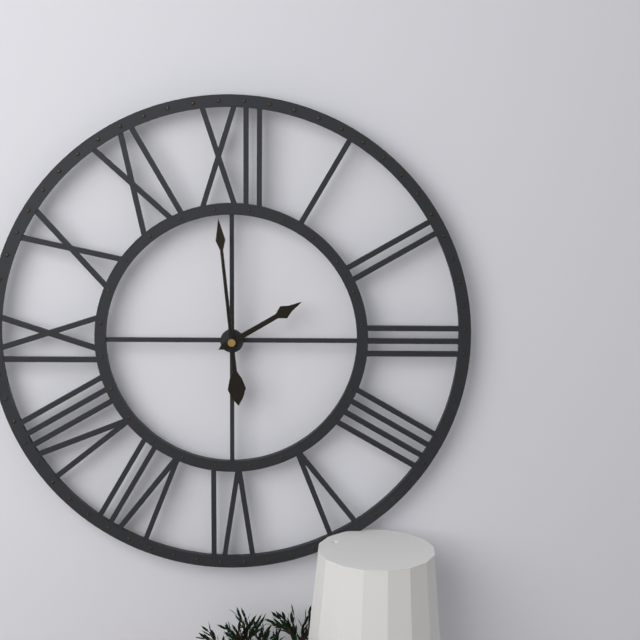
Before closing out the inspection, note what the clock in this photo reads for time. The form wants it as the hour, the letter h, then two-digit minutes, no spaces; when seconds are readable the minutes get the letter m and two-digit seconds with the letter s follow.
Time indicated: 1h59
